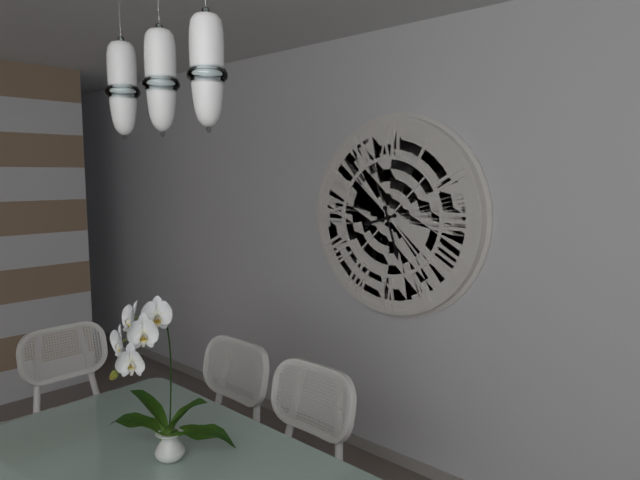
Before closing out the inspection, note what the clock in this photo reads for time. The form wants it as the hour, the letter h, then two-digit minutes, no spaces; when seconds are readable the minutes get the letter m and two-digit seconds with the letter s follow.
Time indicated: 8h27
